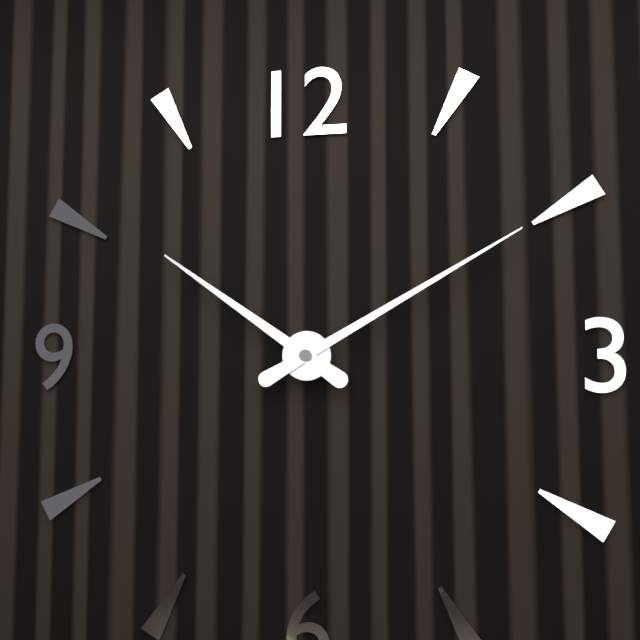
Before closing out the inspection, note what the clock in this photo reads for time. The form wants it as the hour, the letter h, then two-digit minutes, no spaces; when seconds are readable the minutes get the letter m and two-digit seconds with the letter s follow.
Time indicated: 10h10
